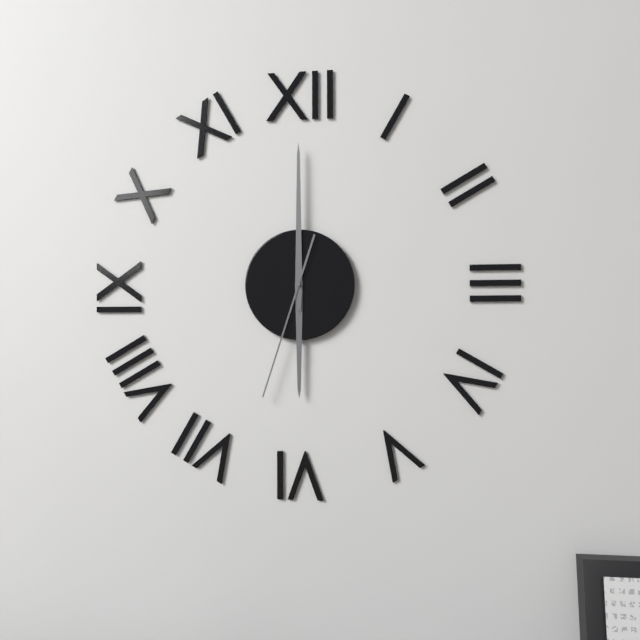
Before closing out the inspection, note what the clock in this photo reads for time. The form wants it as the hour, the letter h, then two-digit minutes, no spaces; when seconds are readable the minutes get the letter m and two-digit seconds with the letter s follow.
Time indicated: 6h00m33s
